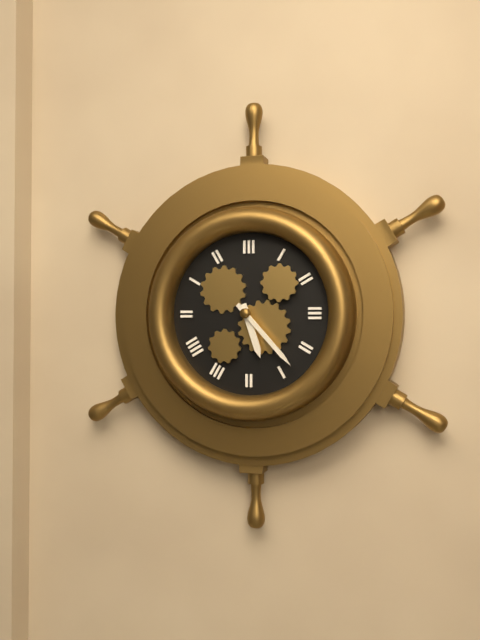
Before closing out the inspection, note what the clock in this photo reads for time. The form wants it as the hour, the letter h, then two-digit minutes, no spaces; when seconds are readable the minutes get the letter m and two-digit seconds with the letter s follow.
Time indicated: 5h23
